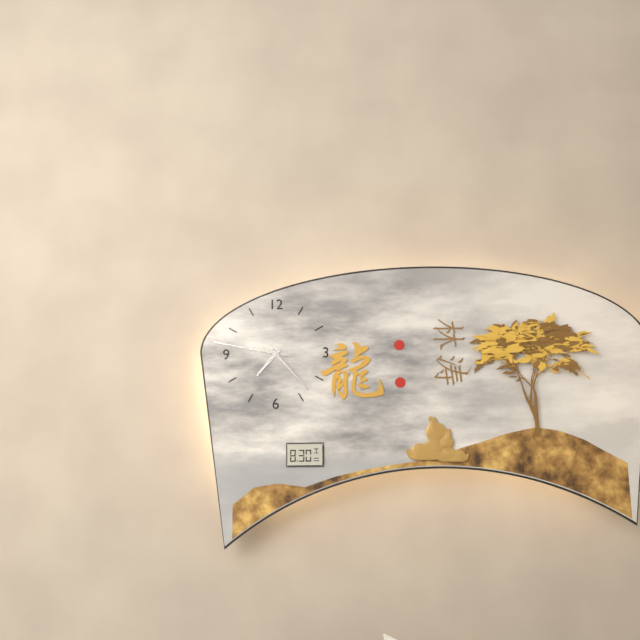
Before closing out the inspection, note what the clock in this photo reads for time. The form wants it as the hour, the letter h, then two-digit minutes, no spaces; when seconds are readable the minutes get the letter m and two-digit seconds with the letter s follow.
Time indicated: 7h23m47s
